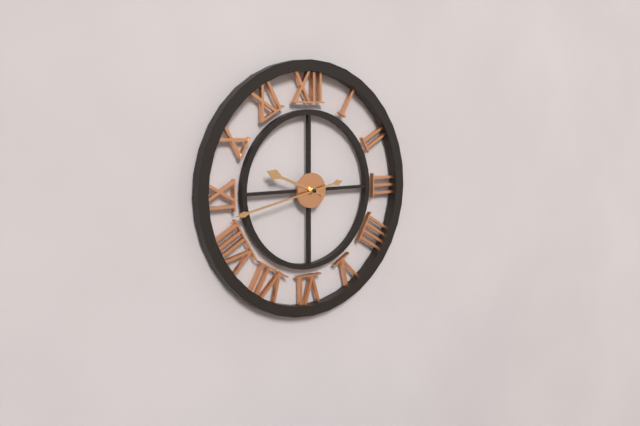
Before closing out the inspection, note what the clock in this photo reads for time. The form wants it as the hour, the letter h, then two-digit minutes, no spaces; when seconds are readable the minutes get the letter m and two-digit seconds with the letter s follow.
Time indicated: 9h43
